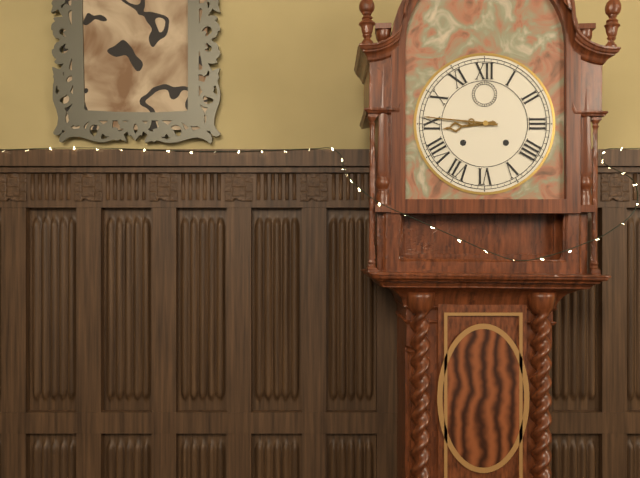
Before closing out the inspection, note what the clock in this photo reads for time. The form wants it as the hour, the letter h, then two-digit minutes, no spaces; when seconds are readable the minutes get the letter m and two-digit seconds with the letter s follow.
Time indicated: 8h46
